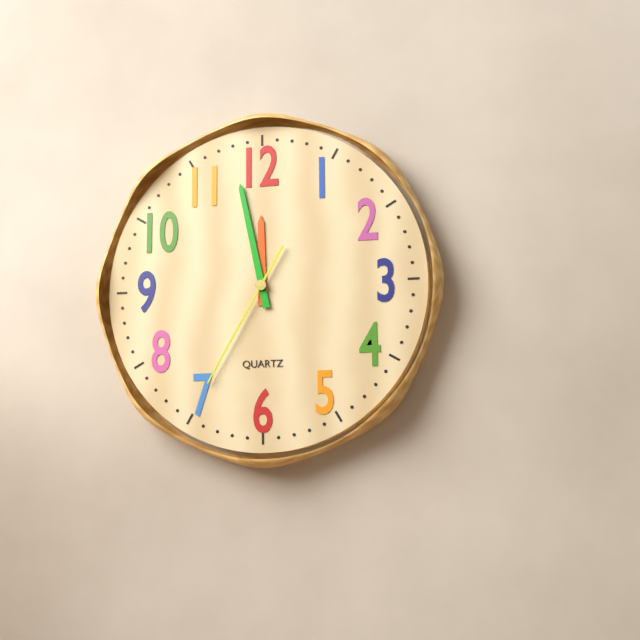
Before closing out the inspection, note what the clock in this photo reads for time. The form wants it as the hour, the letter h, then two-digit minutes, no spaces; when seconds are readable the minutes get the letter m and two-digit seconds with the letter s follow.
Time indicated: 11h58m35s
